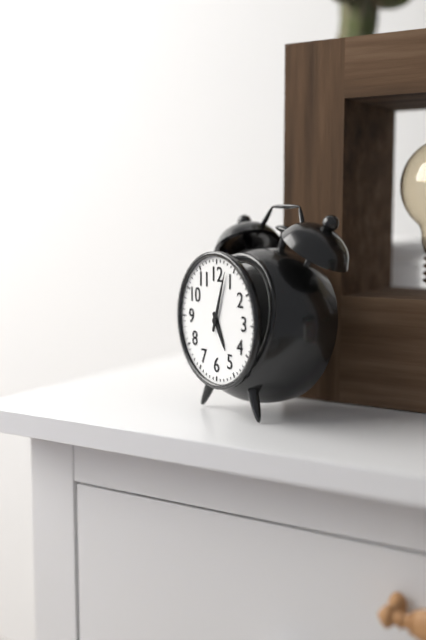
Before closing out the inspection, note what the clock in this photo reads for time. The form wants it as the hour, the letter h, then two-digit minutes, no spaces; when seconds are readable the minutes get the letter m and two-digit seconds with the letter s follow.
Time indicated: 5h03
